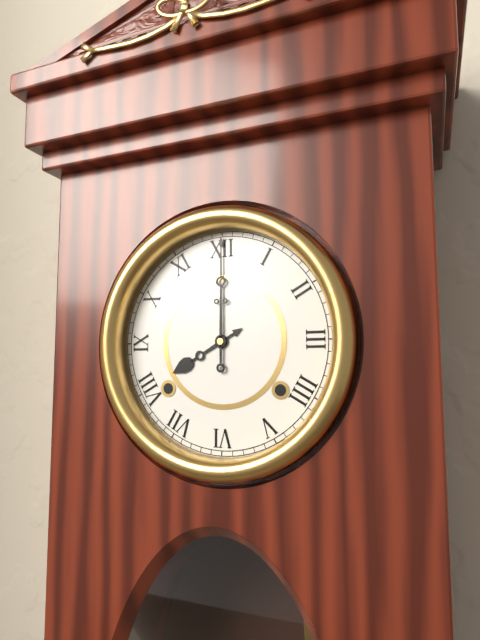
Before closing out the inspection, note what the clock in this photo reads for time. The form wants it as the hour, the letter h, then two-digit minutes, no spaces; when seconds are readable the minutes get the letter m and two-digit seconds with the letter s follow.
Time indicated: 8h00
